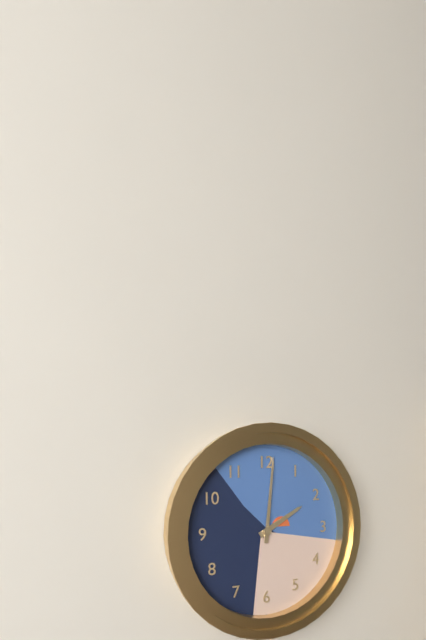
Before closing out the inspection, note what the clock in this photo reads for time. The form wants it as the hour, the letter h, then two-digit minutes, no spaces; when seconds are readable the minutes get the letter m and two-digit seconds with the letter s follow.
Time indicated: 2h01
